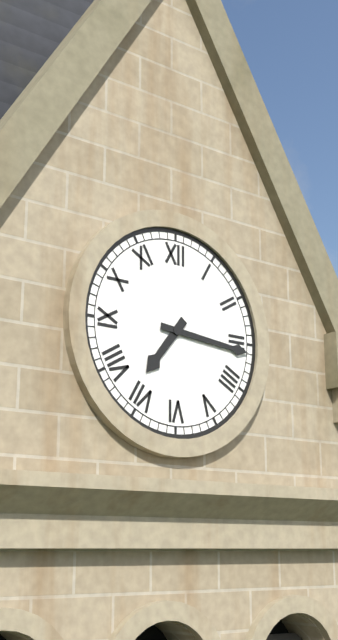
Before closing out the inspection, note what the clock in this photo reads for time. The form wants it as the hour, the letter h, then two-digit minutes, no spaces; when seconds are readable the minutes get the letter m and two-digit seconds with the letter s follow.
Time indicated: 7h16
